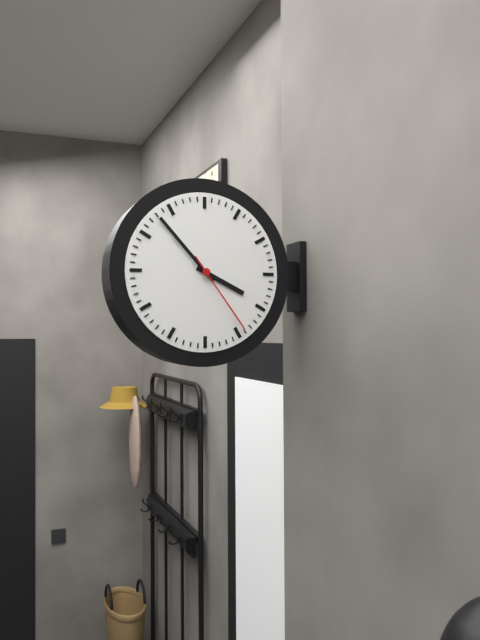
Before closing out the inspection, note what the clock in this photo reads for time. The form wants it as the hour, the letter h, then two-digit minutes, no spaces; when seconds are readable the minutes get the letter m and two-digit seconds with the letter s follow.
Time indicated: 3h53m24s
